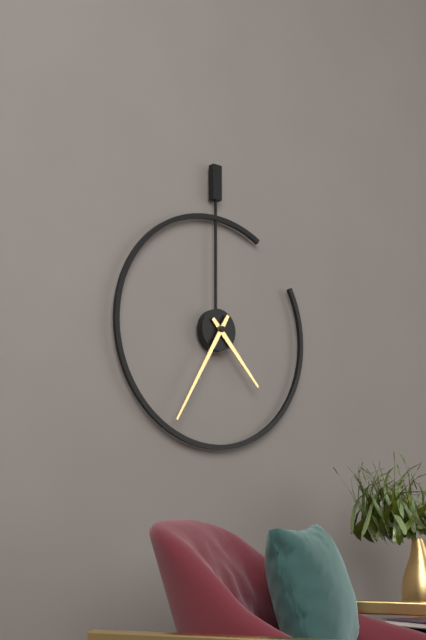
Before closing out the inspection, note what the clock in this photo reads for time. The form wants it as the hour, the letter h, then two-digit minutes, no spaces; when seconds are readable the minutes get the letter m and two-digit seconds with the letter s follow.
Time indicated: 4h35
